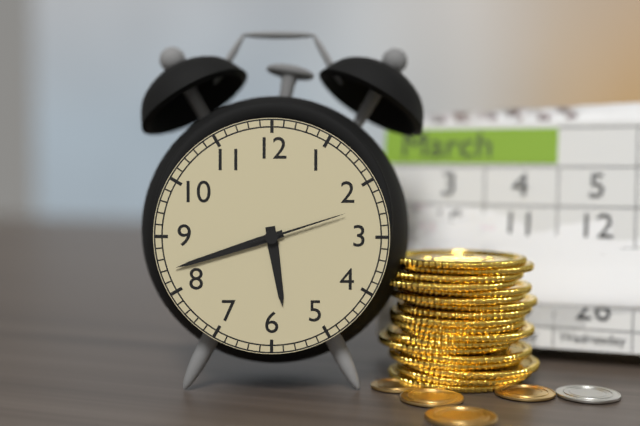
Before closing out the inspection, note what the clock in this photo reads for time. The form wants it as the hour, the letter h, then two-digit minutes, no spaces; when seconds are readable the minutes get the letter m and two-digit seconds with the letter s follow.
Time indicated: 5h42m12s
